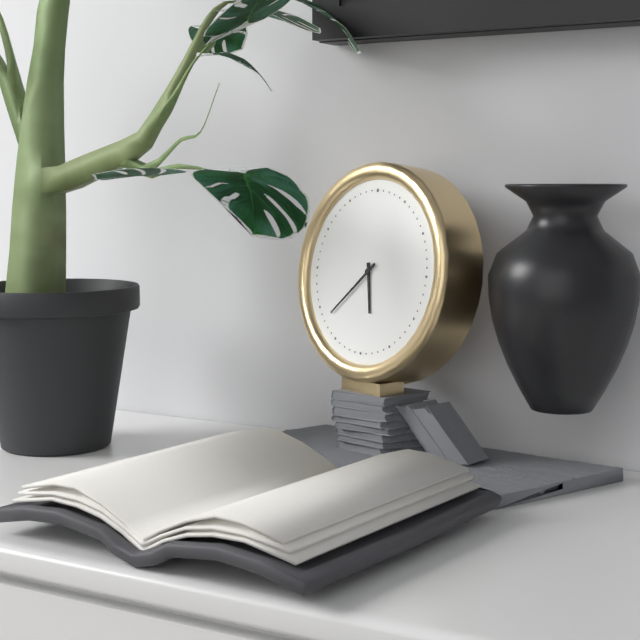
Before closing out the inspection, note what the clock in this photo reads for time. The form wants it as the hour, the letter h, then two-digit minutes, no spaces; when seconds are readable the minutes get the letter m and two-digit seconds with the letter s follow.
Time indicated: 5h38
